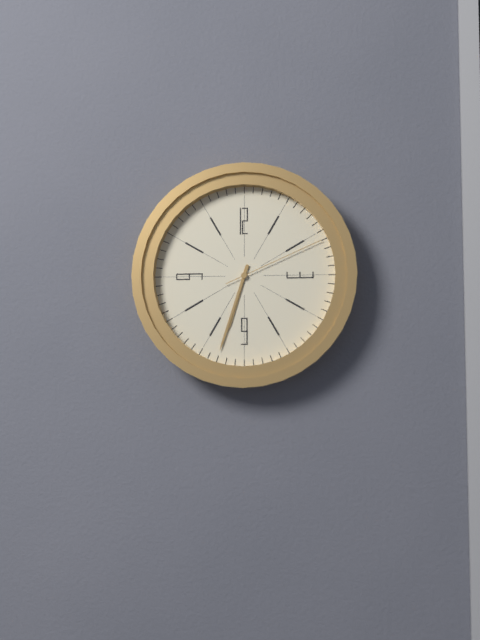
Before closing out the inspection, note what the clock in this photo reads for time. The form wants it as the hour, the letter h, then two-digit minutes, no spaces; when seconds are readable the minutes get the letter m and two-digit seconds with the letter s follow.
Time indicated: 6h33m11s
